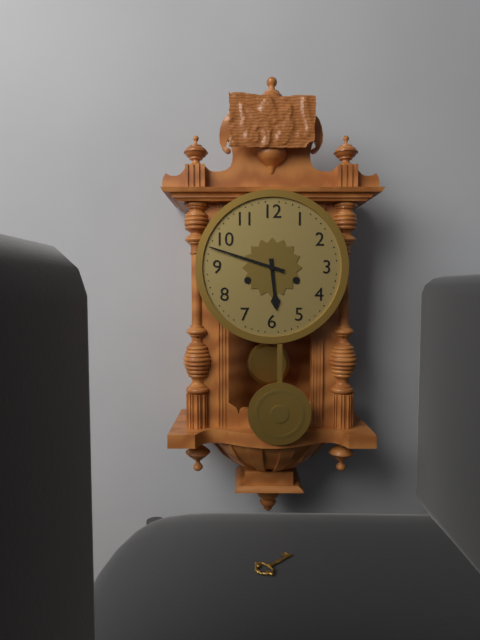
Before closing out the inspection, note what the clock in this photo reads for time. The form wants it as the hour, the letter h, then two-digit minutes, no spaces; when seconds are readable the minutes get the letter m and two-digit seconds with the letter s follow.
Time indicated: 5h48
